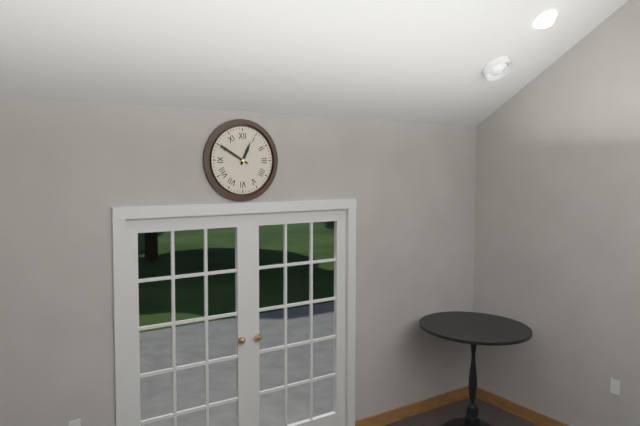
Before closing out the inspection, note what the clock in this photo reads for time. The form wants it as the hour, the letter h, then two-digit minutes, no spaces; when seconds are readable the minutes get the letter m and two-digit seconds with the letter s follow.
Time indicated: 12h50
